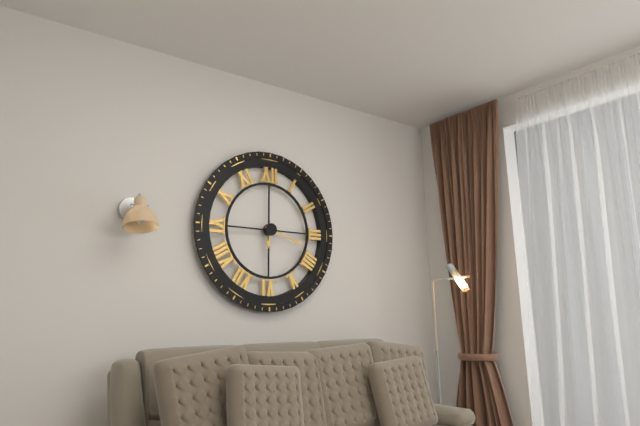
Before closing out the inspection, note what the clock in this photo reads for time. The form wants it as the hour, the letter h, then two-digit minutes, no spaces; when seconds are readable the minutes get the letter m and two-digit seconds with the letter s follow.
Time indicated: 6h18
